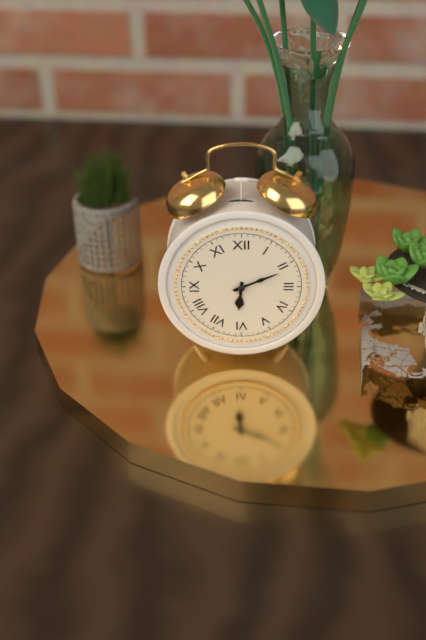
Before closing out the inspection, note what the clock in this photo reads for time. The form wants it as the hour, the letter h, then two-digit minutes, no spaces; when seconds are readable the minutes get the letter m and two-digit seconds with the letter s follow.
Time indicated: 6h11
